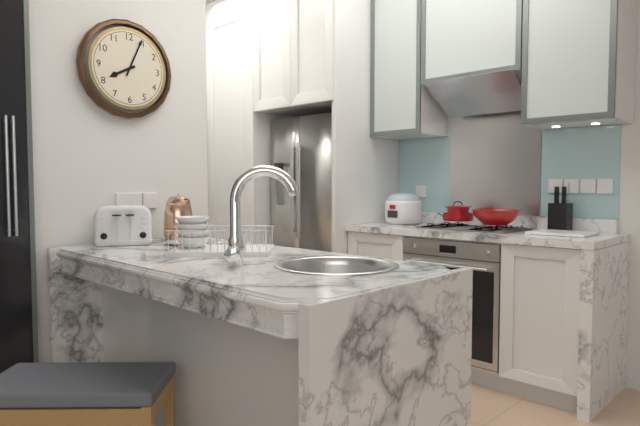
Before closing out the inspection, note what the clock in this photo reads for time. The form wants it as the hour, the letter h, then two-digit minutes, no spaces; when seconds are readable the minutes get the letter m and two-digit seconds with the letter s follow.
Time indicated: 8h04
